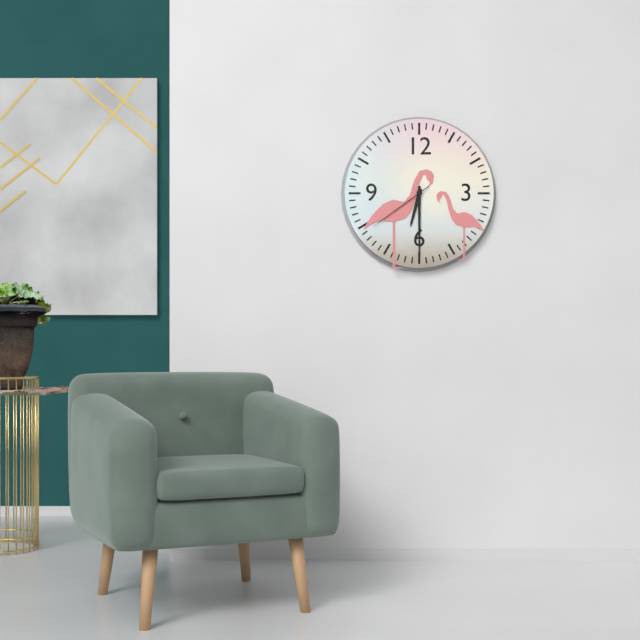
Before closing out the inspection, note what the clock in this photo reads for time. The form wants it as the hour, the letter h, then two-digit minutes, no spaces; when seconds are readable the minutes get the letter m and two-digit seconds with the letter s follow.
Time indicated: 6h30m39s
